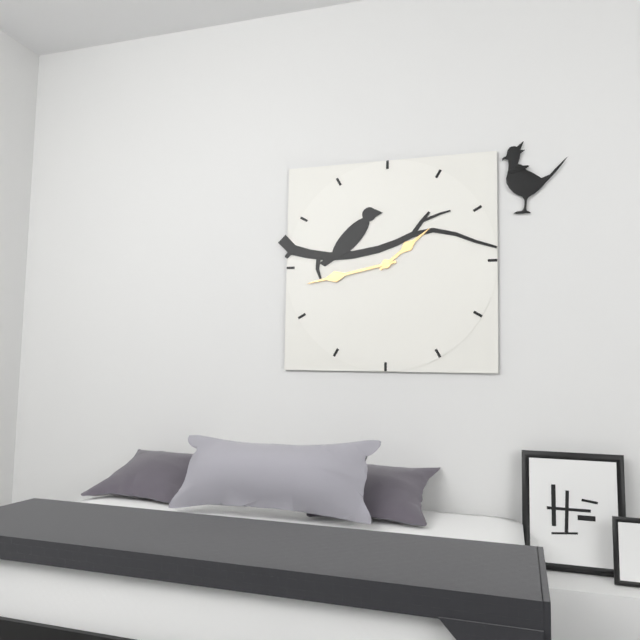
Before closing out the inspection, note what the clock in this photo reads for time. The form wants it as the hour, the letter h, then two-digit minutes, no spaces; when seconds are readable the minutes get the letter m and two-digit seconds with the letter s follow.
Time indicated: 1h43
